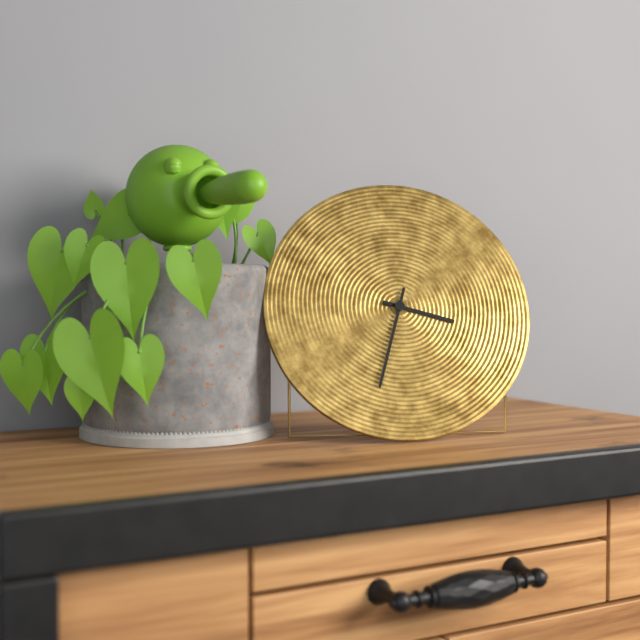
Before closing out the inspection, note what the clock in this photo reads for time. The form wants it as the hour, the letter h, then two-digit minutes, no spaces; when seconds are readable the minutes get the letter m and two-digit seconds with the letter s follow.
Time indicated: 3h33
